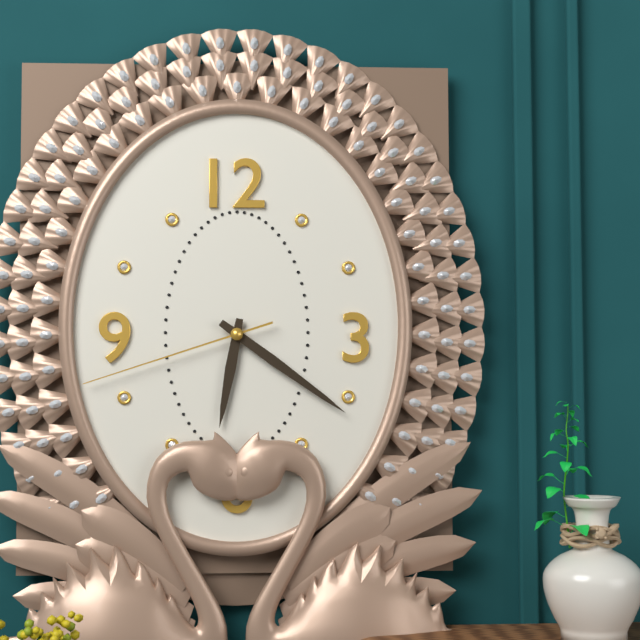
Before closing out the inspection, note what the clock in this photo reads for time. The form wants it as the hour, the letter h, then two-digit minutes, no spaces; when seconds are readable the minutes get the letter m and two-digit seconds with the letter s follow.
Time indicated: 6h21m42s
